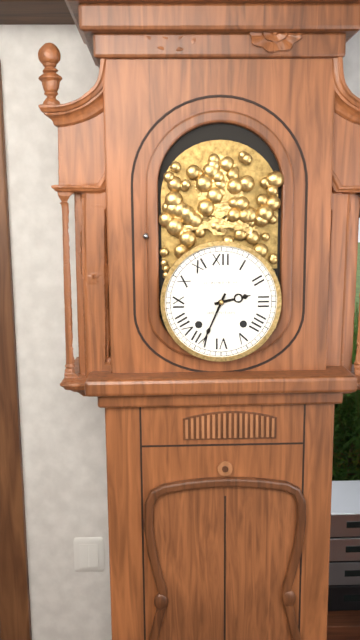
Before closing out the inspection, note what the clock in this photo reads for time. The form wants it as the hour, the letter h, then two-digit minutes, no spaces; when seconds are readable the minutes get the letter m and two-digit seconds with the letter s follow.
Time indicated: 2h34
